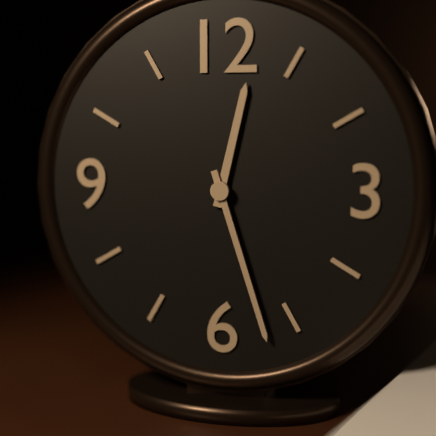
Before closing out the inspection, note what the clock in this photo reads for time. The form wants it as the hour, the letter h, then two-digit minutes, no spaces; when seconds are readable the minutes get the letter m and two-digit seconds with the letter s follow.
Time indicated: 12h27
